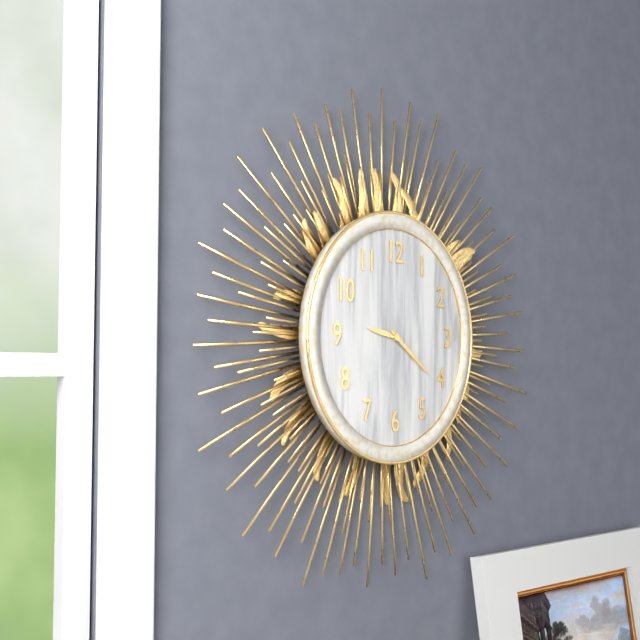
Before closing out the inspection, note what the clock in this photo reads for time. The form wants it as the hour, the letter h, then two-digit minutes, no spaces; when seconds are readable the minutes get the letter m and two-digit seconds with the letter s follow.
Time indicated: 9h21
